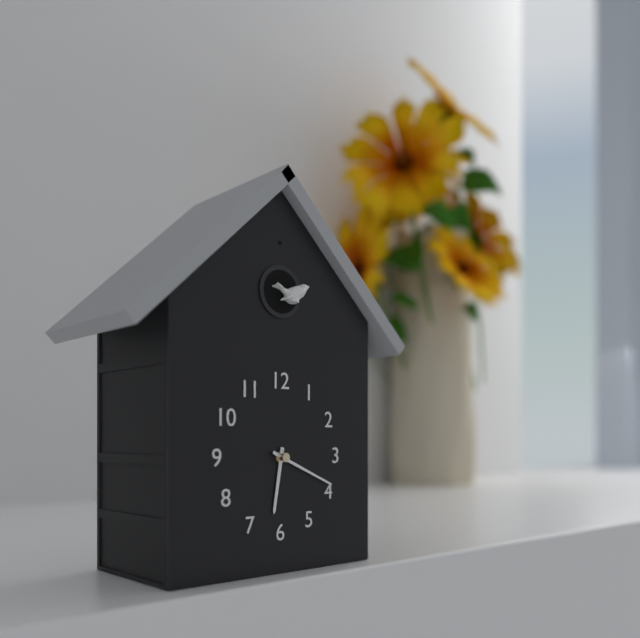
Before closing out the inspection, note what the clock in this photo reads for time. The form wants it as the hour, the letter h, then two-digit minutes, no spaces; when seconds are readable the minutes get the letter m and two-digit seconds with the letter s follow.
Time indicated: 6h19
